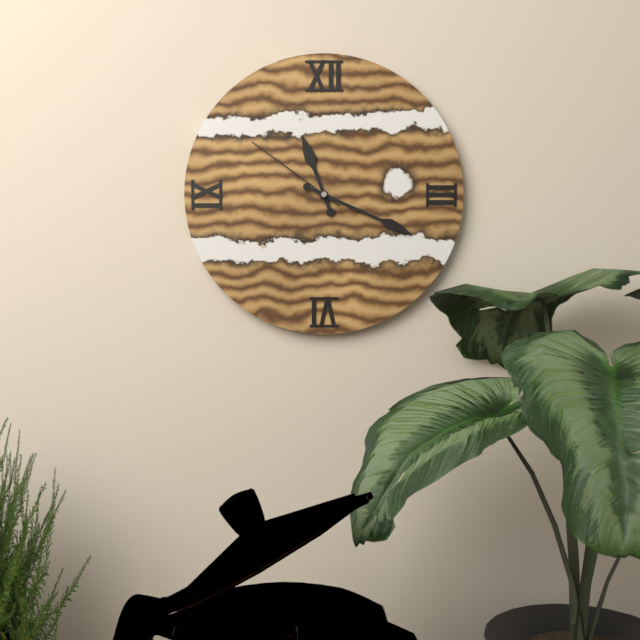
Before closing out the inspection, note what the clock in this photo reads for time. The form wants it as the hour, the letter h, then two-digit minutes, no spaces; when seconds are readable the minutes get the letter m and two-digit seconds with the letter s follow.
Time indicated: 11h19m51s
